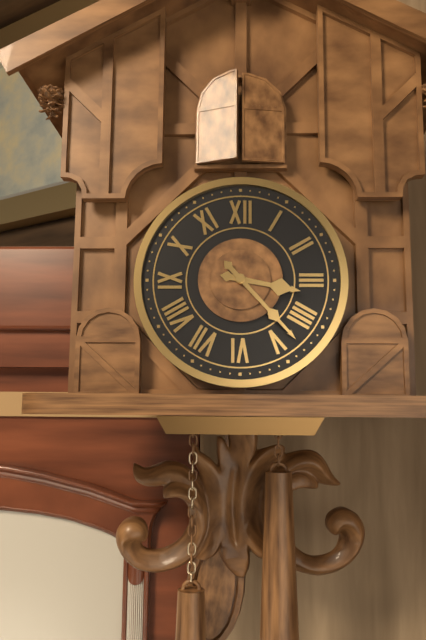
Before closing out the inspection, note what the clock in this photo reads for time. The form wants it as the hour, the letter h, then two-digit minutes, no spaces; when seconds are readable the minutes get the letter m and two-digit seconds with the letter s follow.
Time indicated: 3h23
